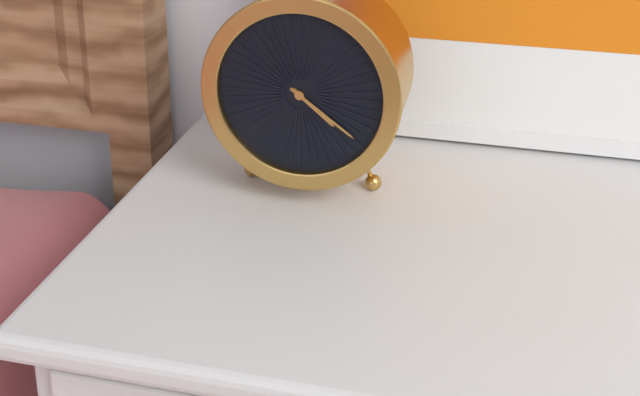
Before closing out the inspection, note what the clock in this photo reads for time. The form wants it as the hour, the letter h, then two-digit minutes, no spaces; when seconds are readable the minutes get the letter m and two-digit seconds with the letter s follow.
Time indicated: 4h21
